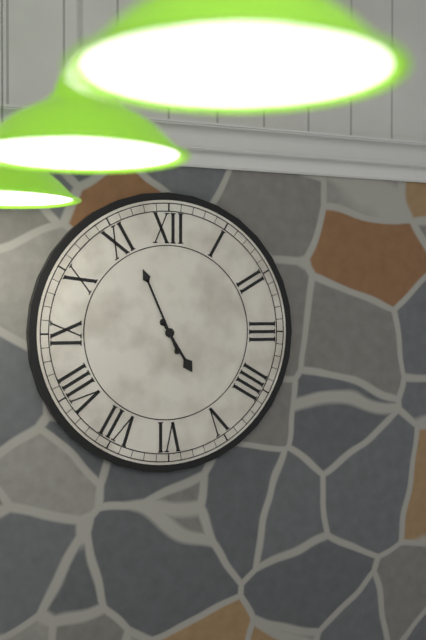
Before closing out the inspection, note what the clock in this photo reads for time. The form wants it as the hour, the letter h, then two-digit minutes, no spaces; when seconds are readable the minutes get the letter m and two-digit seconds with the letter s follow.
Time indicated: 4h56
